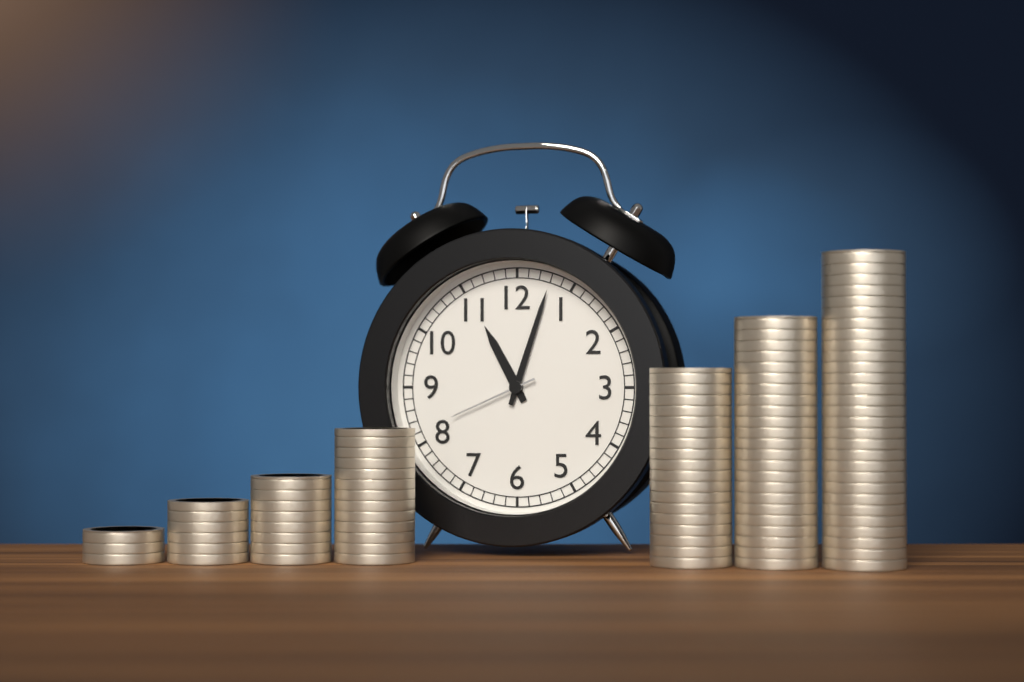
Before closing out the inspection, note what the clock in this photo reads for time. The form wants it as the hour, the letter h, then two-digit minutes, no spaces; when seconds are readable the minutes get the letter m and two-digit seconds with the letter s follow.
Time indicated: 11h03m41s
